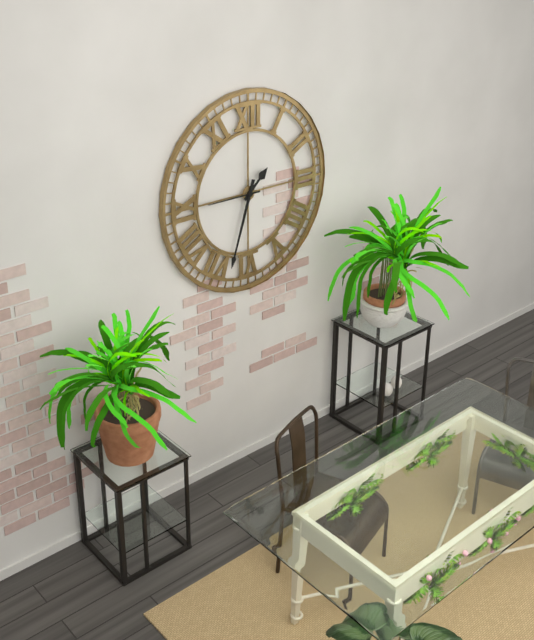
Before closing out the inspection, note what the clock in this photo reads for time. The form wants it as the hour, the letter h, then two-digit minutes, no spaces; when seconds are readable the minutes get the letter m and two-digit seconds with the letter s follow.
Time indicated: 1h33m45s
